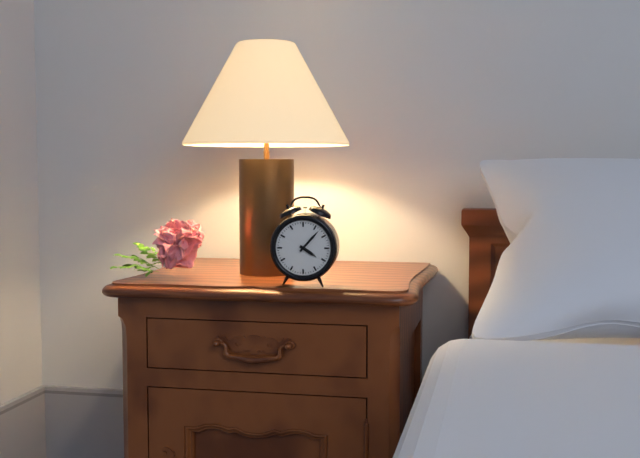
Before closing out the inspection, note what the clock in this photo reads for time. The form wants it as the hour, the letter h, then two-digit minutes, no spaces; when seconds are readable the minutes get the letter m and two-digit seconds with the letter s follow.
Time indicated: 4h07
